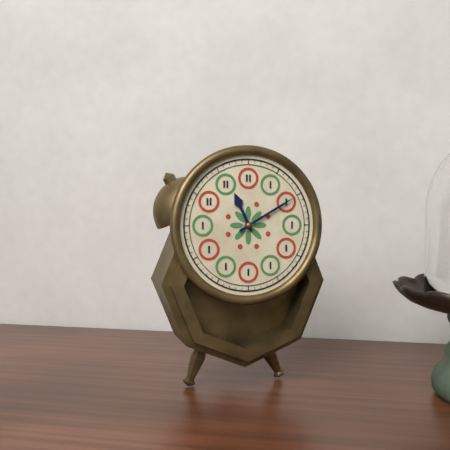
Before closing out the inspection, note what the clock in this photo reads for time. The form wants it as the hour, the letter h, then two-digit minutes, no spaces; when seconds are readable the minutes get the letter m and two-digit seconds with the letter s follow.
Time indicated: 11h10
